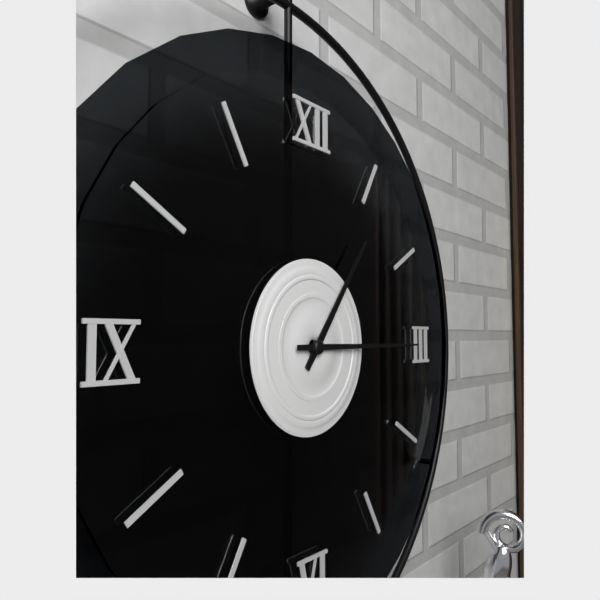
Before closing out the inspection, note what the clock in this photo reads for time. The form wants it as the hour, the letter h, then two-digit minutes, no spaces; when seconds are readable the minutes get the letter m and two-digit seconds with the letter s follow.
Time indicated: 1h15
